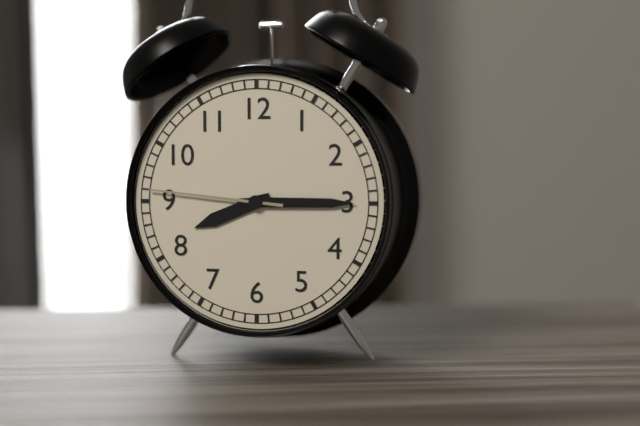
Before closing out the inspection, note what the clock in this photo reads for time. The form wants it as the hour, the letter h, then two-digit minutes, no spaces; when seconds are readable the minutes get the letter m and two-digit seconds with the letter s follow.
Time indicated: 8h15m46s
